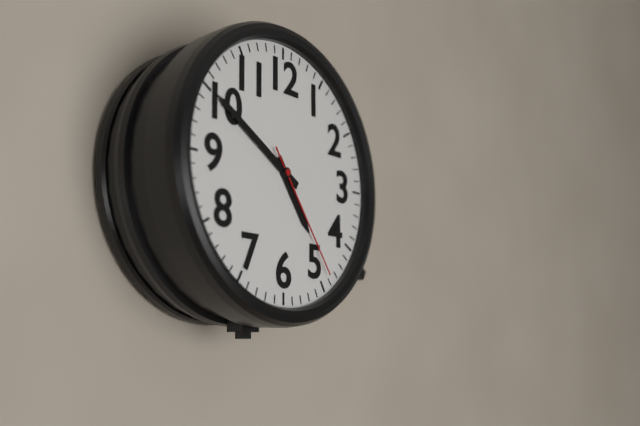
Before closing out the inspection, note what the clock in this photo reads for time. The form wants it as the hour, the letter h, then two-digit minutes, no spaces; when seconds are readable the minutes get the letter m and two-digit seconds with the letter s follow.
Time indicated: 4h50m24s
